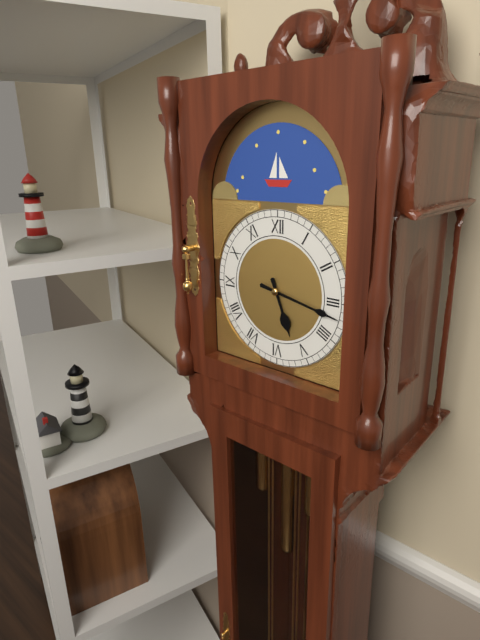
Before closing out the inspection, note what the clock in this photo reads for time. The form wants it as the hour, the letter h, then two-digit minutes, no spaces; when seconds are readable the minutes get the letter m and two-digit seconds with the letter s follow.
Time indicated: 5h17
